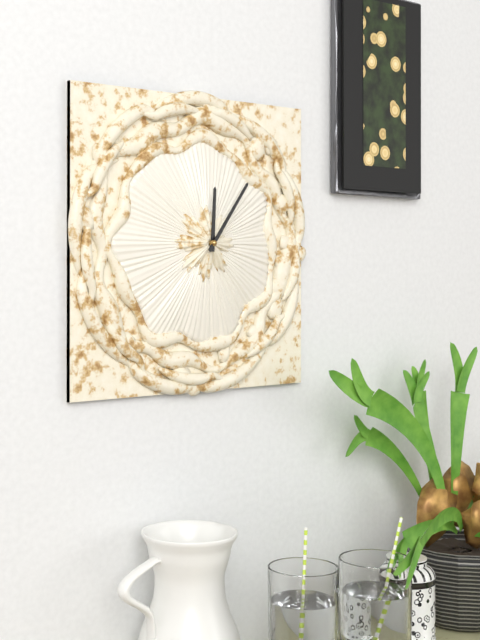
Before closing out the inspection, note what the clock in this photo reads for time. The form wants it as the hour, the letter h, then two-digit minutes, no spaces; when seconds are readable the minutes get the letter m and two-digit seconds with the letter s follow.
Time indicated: 12h06
